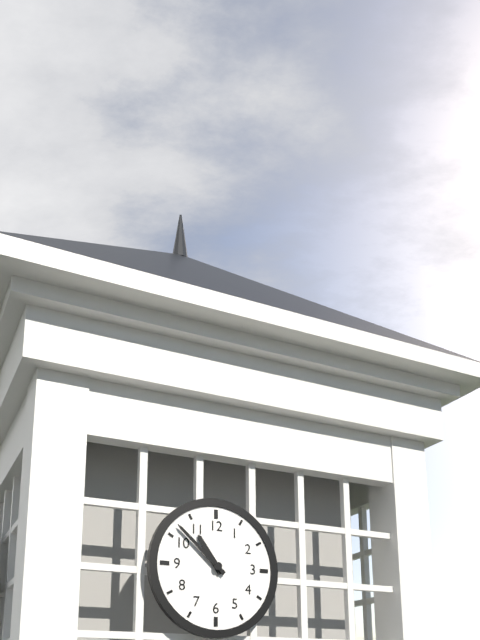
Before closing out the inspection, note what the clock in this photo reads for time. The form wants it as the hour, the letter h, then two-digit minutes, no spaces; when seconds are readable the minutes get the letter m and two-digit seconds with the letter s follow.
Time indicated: 10h52
